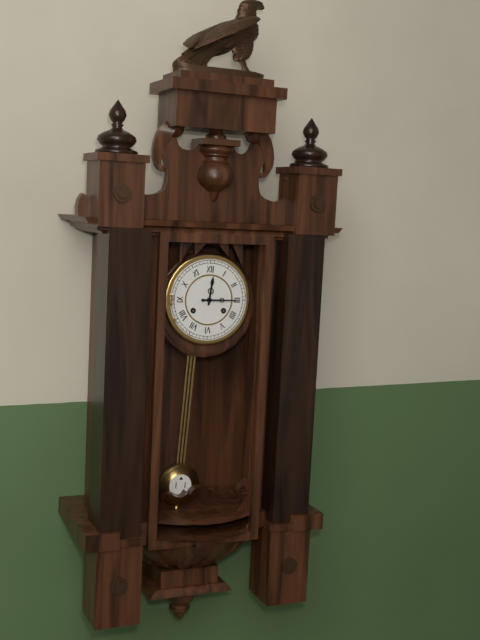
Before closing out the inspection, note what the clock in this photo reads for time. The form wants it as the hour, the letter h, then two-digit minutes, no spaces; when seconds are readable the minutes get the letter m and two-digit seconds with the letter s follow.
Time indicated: 12h15
